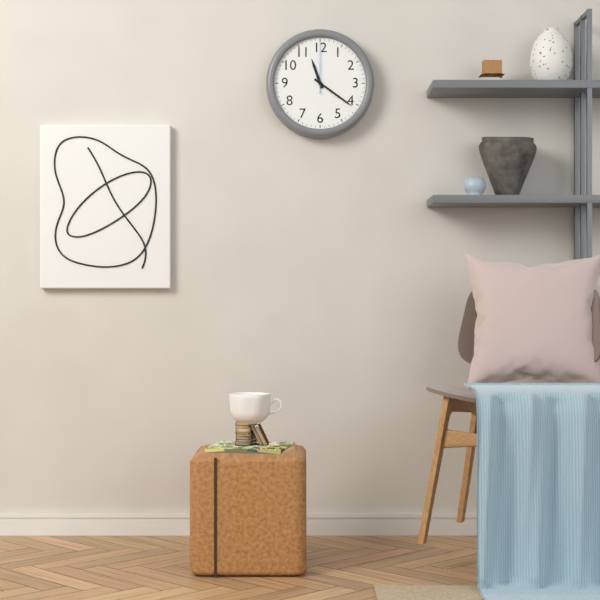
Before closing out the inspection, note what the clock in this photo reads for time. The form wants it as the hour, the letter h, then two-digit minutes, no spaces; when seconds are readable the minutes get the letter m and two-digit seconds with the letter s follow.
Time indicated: 11h21m00s
